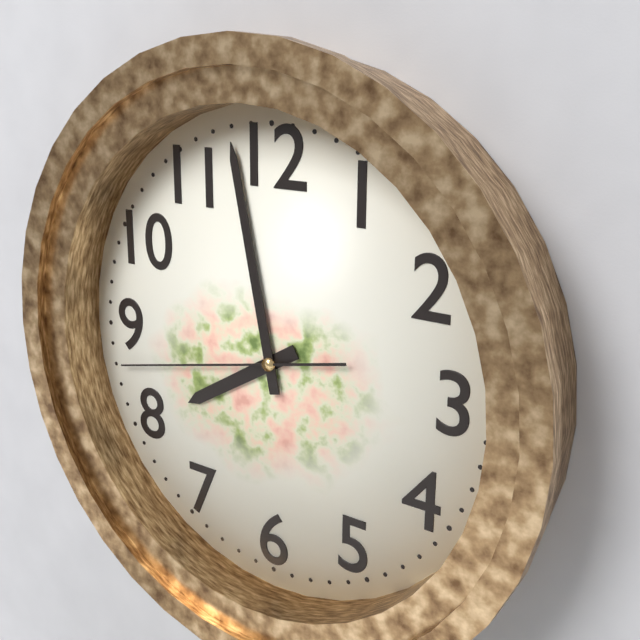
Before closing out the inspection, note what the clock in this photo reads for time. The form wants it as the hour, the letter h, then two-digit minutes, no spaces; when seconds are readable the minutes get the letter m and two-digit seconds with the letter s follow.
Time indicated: 7h58m43s
